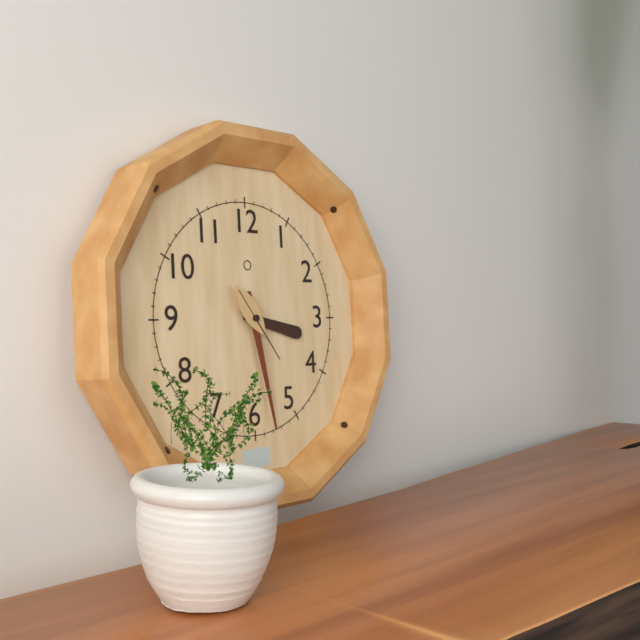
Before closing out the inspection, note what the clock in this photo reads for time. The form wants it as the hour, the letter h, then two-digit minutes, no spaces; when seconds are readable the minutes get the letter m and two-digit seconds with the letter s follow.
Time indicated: 3h28m24s
